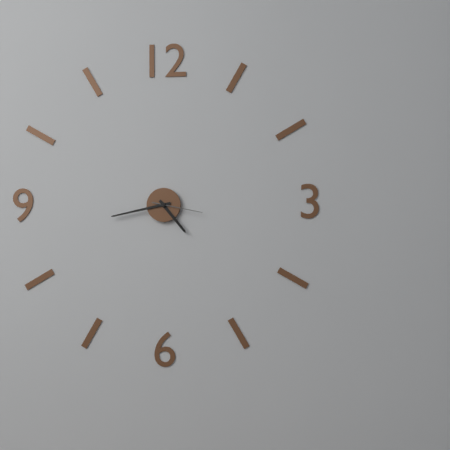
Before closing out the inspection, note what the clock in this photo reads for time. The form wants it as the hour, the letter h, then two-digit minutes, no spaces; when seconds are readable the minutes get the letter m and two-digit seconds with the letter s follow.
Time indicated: 4h43
